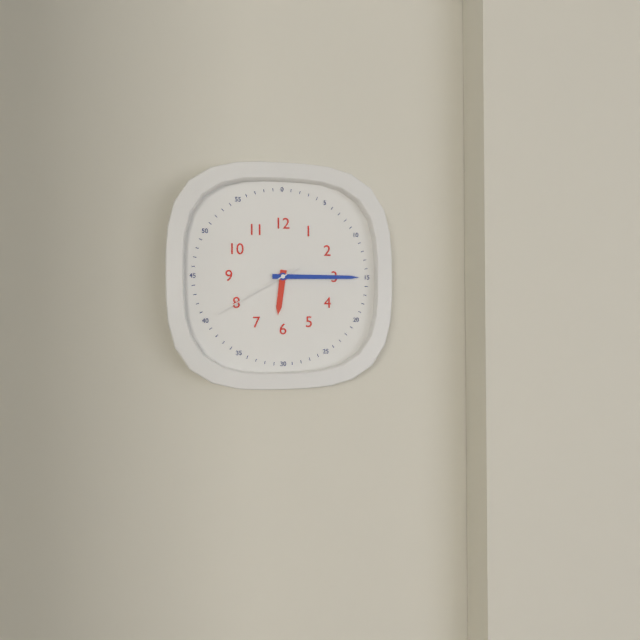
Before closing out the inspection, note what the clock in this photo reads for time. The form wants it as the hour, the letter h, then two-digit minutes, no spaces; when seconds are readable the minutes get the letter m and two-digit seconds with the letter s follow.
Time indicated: 6h15m40s
